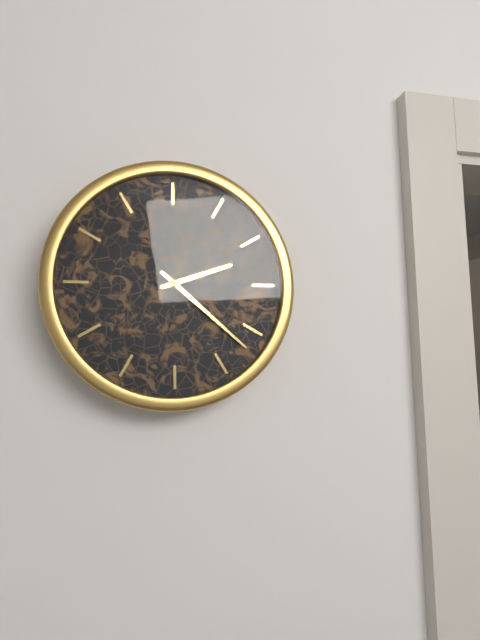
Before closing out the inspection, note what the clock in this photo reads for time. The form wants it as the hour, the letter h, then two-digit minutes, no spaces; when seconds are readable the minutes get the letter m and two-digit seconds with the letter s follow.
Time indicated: 2h22
